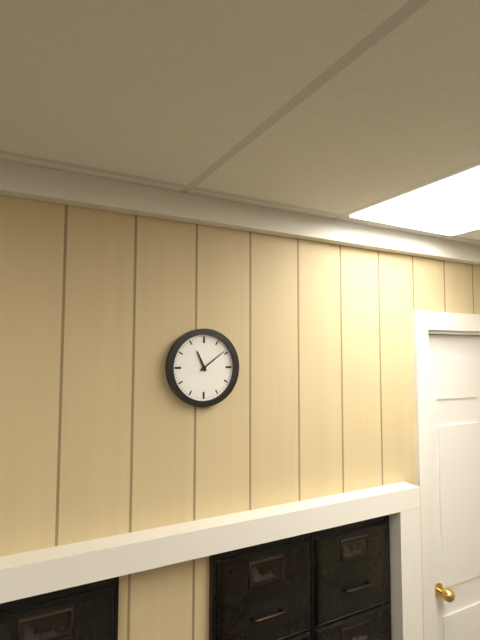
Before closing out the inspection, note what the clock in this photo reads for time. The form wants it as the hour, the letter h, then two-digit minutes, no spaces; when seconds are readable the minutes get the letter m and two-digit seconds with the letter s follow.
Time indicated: 11h09
